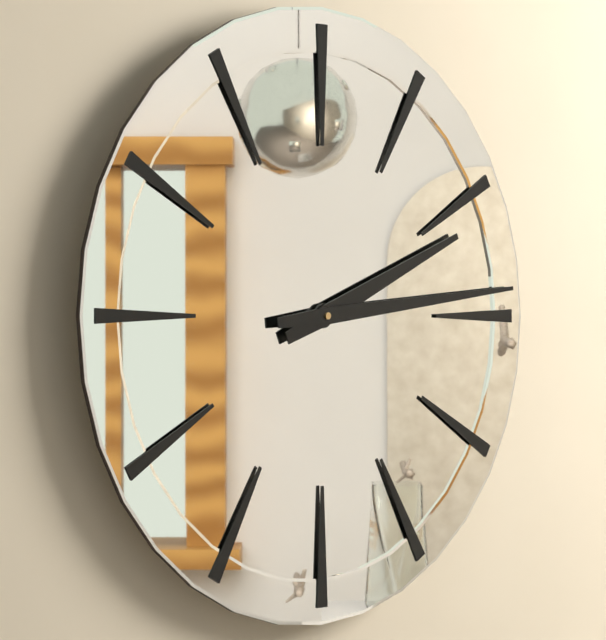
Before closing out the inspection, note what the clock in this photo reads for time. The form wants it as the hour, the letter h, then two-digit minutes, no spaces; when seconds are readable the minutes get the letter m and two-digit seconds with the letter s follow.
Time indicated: 2h14
